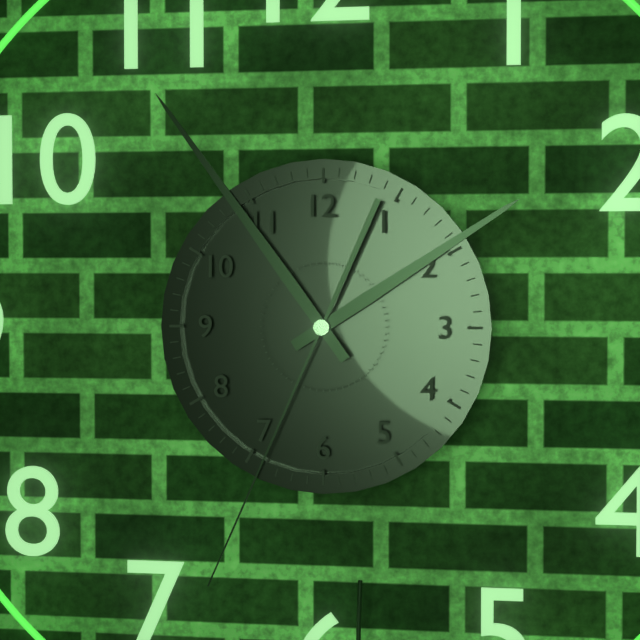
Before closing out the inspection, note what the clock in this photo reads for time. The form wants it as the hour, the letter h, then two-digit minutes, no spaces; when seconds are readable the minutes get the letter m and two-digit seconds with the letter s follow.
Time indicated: 1h54m34s
